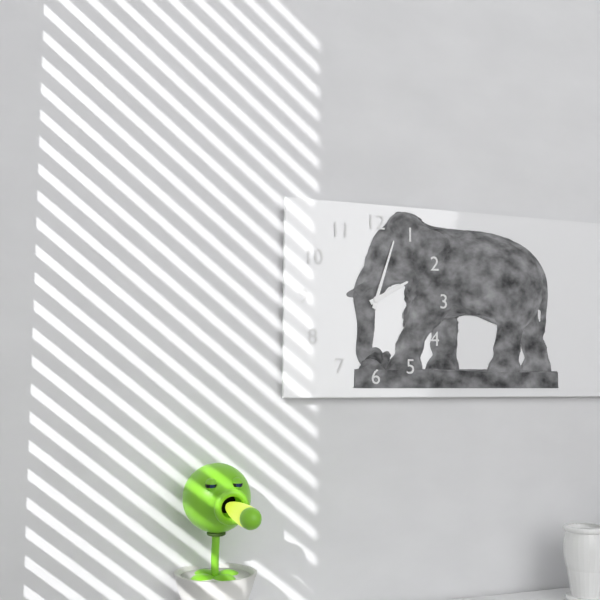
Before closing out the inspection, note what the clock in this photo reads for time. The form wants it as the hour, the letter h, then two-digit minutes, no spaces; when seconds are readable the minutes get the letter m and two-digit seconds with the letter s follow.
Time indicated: 2h03
